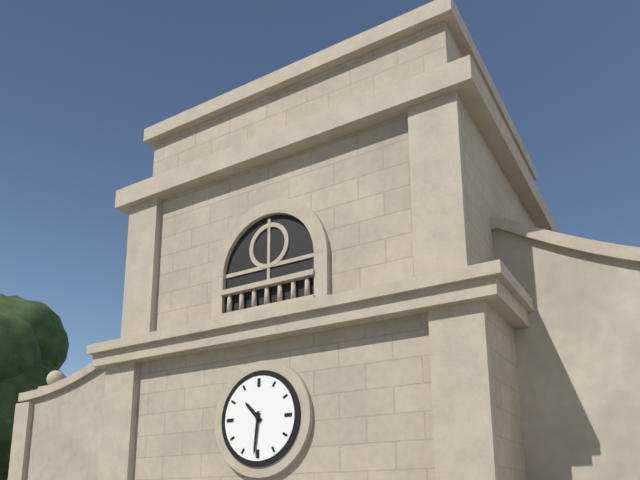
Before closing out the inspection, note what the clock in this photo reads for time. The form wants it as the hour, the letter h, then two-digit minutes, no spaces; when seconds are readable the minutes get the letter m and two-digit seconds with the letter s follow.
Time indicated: 10h31
